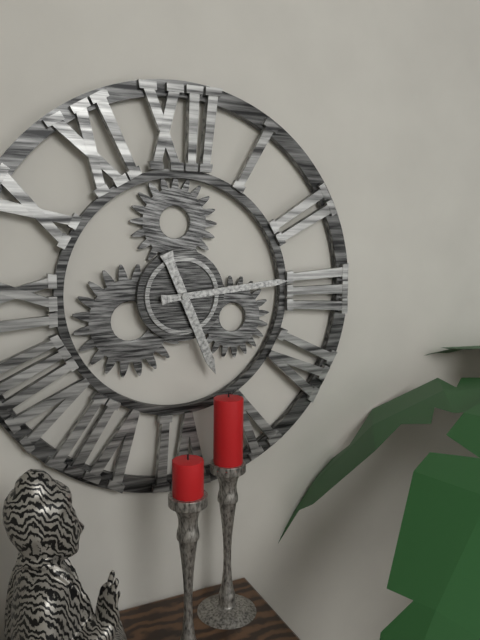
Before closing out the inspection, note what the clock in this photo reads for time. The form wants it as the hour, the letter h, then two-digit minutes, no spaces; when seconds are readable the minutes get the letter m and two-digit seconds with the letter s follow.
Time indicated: 5h14
